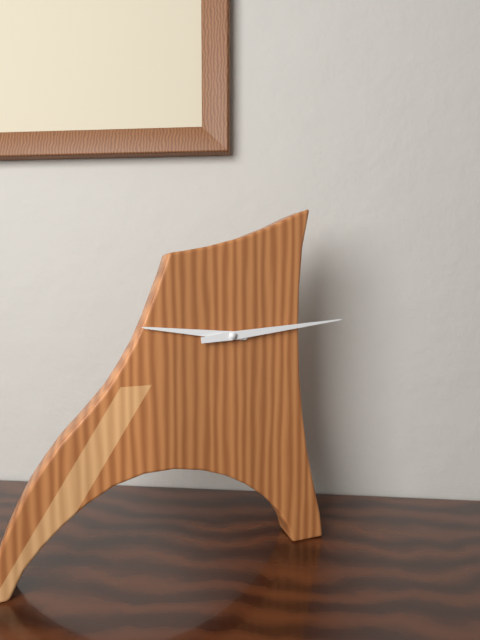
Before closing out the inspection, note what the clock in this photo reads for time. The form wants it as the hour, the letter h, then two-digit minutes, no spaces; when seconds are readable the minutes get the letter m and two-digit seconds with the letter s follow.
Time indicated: 9h14
